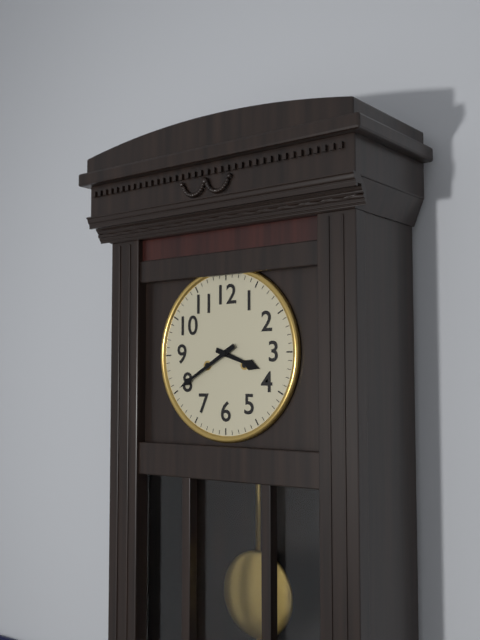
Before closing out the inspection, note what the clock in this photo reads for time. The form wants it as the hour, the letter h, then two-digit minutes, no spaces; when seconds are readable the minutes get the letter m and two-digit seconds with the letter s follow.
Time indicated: 3h40
